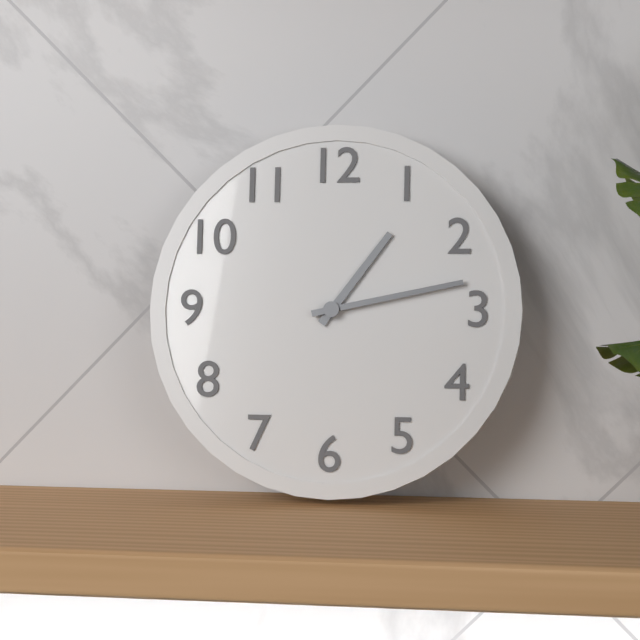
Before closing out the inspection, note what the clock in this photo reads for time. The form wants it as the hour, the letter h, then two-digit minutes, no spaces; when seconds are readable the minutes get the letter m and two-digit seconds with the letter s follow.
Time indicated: 1h13
